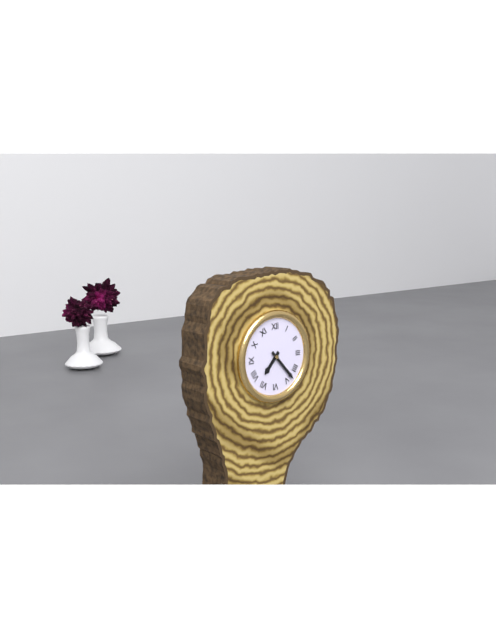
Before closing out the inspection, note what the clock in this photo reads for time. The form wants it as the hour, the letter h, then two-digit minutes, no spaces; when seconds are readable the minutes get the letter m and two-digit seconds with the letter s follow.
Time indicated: 7h23
